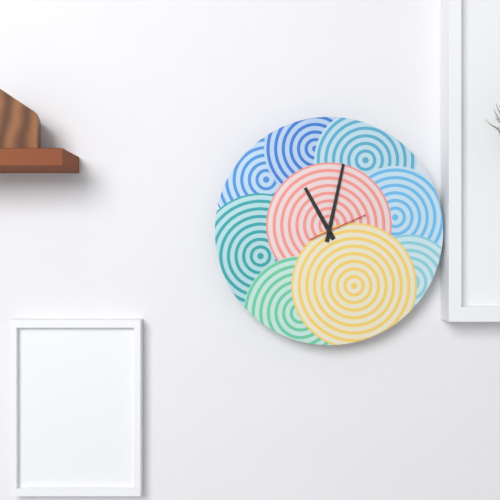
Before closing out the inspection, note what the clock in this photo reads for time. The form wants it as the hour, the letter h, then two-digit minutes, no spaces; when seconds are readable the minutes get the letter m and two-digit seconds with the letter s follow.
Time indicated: 11h02m11s
